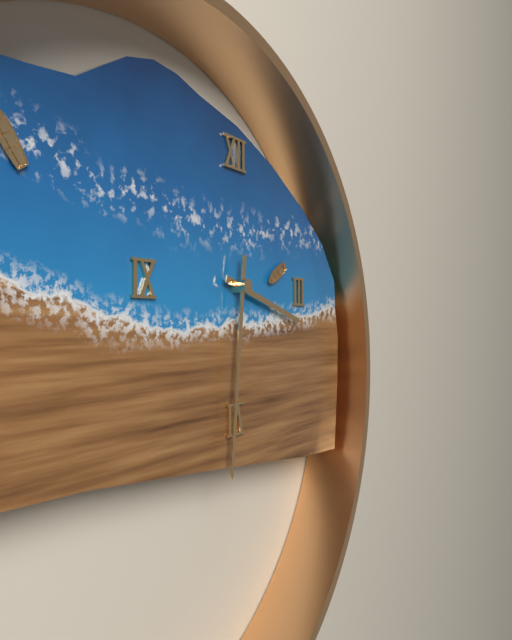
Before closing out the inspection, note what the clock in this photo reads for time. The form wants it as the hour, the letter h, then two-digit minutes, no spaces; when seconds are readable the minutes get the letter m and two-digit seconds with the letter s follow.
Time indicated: 3h31
